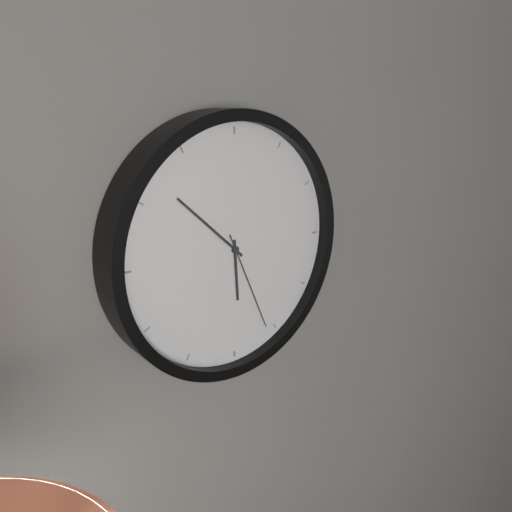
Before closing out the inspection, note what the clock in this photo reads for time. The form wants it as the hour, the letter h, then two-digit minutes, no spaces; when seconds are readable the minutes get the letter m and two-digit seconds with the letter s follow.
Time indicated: 5h52m26s
